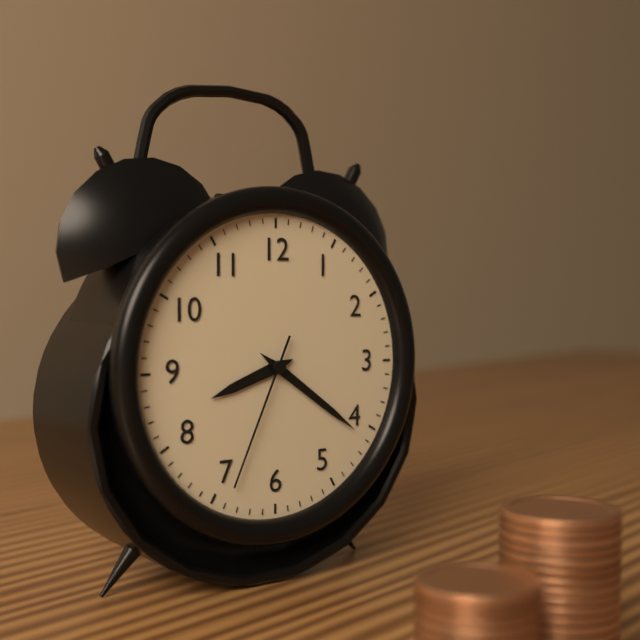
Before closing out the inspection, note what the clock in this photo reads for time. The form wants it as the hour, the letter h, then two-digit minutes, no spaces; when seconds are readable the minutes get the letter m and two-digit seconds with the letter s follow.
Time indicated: 8h21m34s
